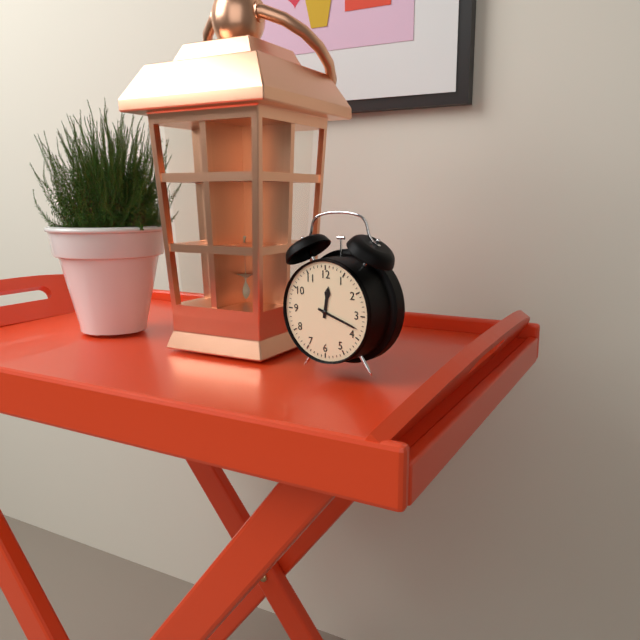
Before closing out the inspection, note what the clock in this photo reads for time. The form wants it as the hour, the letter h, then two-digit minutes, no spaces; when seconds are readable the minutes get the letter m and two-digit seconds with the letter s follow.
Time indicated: 12h18
